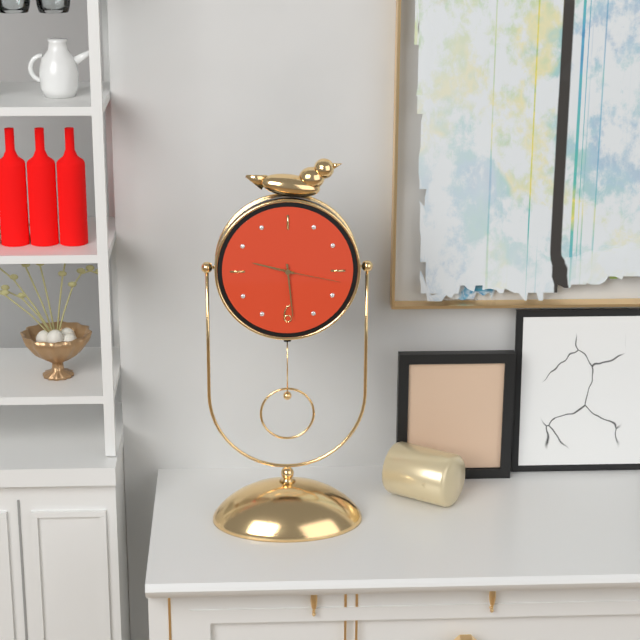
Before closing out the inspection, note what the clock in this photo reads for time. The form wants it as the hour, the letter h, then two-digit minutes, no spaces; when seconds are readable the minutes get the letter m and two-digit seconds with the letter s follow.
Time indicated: 9h29m17s
